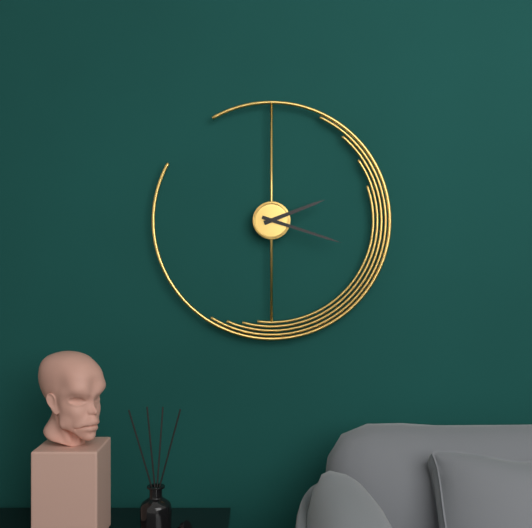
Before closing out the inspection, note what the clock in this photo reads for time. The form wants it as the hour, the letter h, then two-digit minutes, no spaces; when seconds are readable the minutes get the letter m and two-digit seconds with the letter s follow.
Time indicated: 2h18
